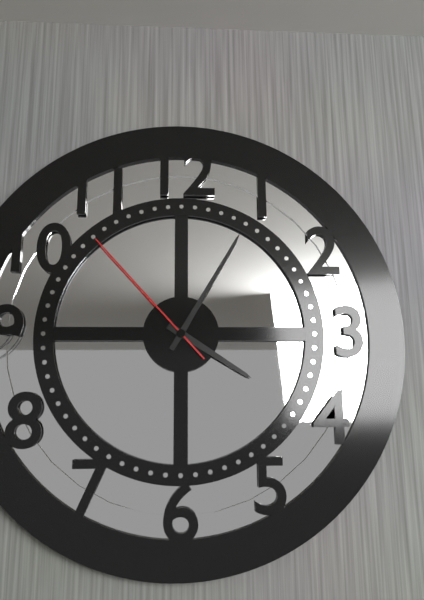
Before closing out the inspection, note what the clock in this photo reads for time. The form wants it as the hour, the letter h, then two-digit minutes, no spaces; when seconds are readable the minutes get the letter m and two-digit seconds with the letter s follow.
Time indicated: 4h05m53s
